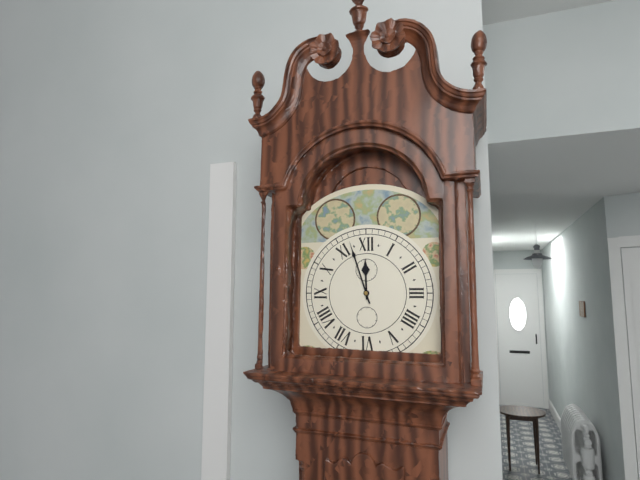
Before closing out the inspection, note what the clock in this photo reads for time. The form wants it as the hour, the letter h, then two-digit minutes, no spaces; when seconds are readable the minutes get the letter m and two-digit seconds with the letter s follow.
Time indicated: 11h57
